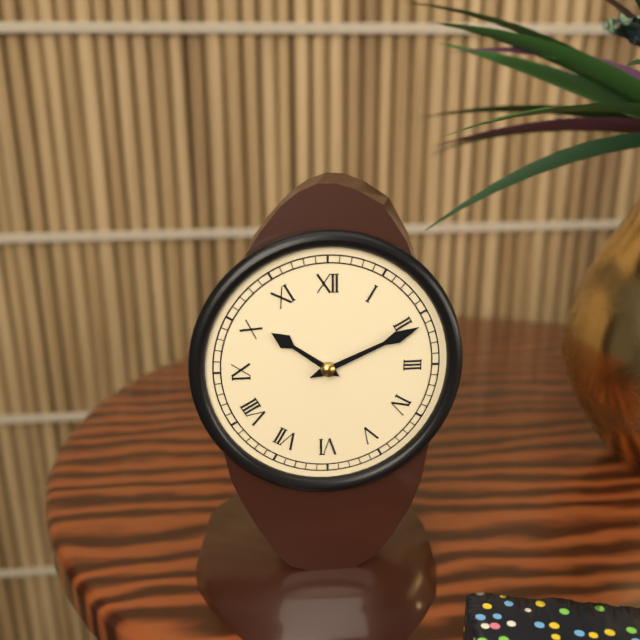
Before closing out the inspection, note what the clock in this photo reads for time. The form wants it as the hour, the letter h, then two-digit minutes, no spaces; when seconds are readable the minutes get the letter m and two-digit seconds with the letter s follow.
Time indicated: 10h11
